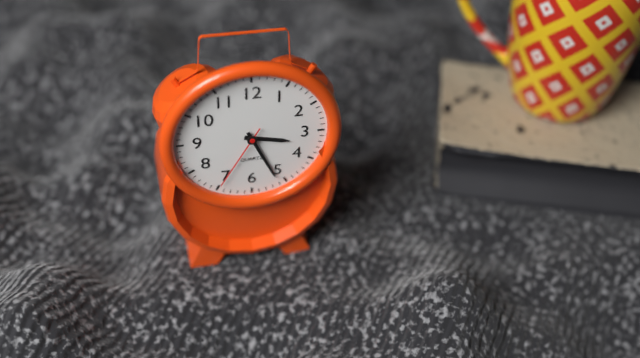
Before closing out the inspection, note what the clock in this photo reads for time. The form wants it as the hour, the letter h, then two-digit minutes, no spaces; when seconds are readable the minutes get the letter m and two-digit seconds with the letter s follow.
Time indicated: 3h26m35s
